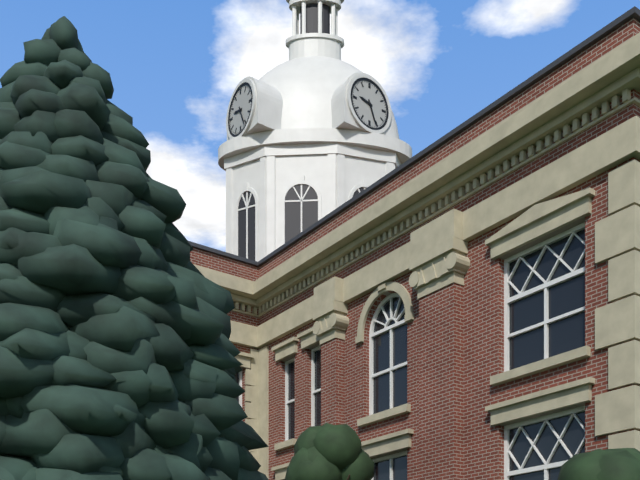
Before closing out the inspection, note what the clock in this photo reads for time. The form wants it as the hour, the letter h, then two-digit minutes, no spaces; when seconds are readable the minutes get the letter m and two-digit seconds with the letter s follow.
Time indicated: 9h26
